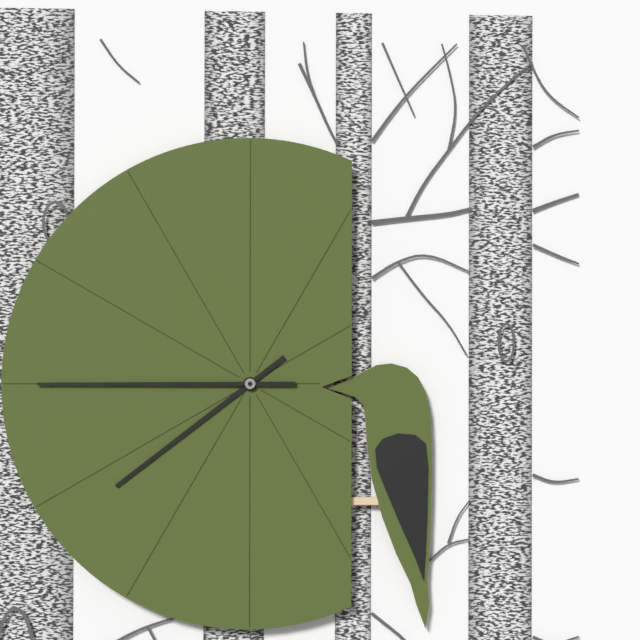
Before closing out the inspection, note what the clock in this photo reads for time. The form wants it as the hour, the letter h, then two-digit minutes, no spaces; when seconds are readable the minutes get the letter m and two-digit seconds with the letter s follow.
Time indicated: 7h45
